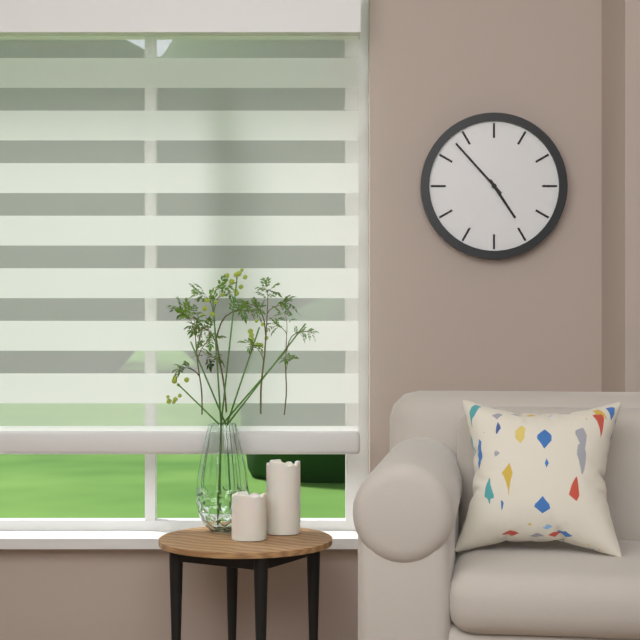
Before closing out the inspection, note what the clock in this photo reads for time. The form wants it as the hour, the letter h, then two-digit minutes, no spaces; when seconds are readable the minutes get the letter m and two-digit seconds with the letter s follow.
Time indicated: 4h53
